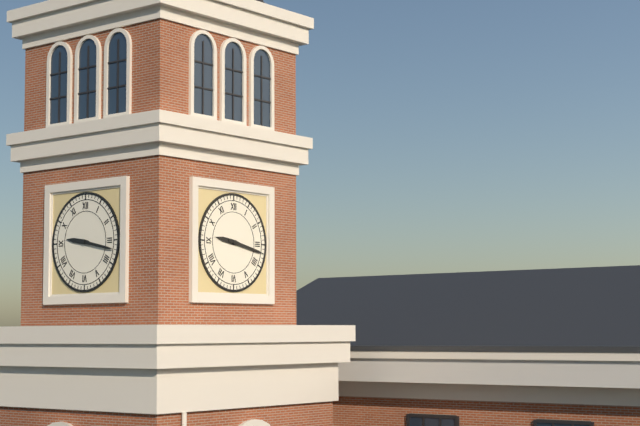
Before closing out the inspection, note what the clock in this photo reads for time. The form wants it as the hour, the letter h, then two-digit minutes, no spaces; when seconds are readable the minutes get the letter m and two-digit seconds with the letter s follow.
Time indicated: 9h17
